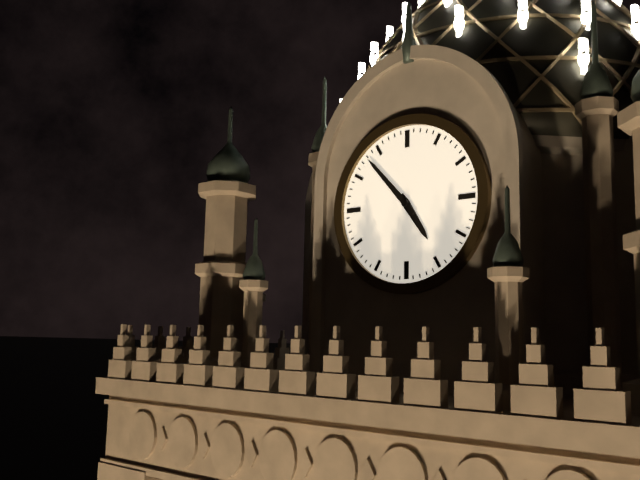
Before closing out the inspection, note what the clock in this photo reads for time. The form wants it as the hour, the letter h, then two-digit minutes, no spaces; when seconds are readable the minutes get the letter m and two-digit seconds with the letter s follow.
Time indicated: 4h53
